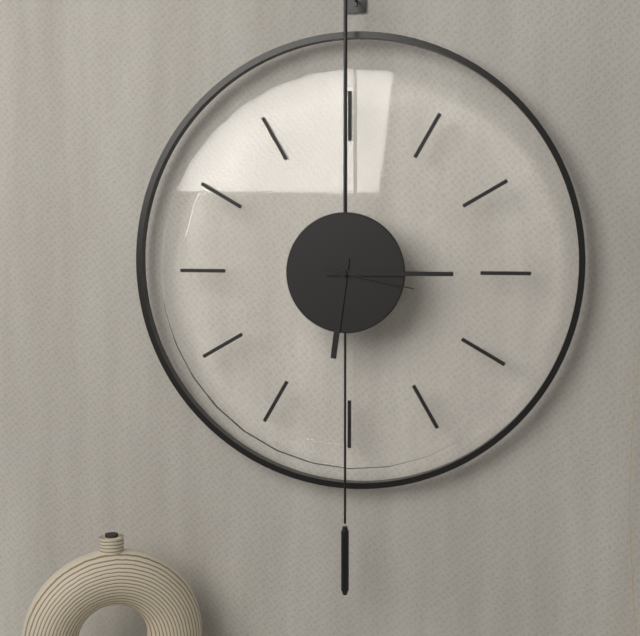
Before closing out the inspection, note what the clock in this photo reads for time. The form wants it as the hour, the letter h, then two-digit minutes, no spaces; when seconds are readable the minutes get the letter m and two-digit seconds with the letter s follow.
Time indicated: 6h15m17s
